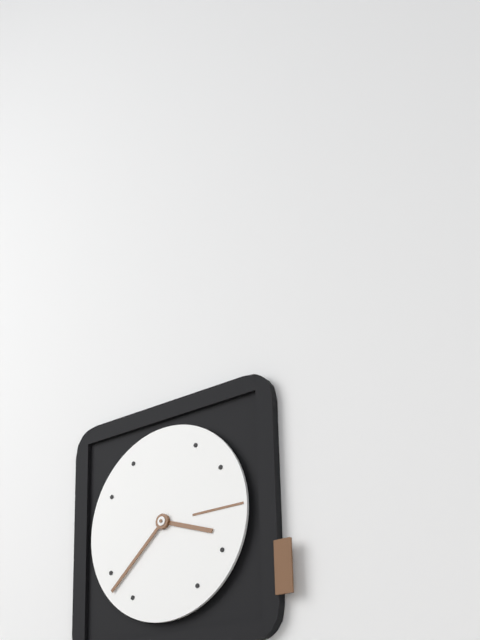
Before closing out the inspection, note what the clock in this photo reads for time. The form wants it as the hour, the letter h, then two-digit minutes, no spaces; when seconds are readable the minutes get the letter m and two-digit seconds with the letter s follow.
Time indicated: 3h38
